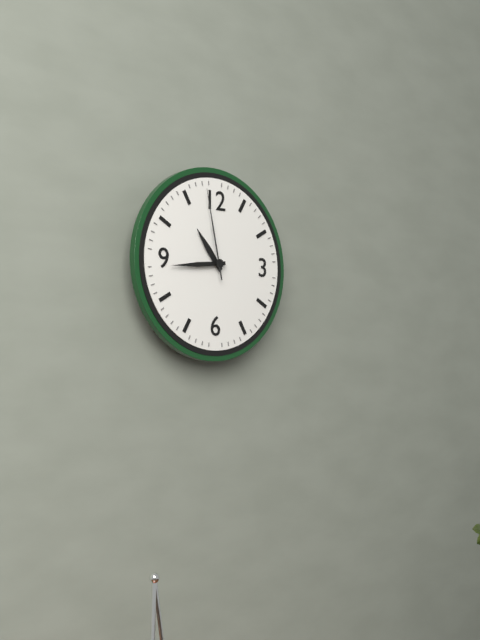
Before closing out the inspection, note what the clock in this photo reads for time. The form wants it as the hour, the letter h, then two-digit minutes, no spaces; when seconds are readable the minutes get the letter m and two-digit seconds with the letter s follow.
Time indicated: 10h44m58s
